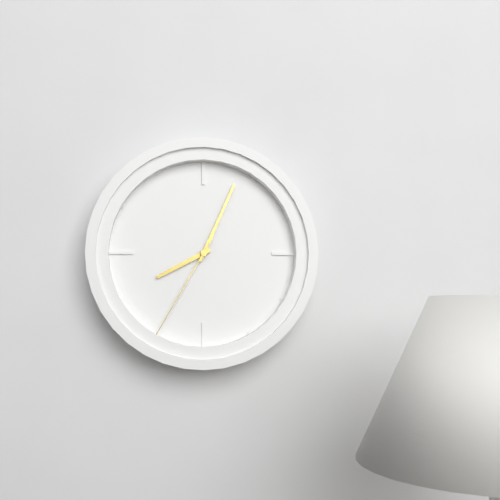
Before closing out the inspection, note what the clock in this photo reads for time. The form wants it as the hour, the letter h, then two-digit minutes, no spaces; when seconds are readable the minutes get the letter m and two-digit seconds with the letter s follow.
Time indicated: 8h04m35s
